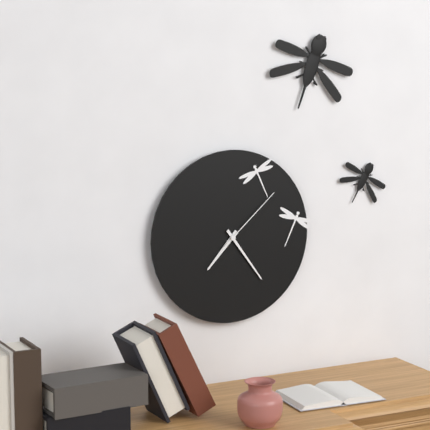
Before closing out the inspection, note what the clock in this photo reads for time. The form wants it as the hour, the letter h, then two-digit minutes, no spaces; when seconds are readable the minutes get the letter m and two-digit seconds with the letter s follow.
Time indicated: 7h24m08s
